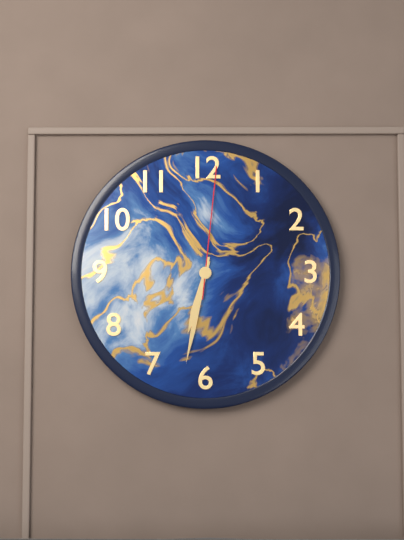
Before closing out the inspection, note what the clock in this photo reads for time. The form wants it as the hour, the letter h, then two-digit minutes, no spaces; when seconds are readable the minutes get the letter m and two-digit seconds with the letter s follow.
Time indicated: 6h32m01s
